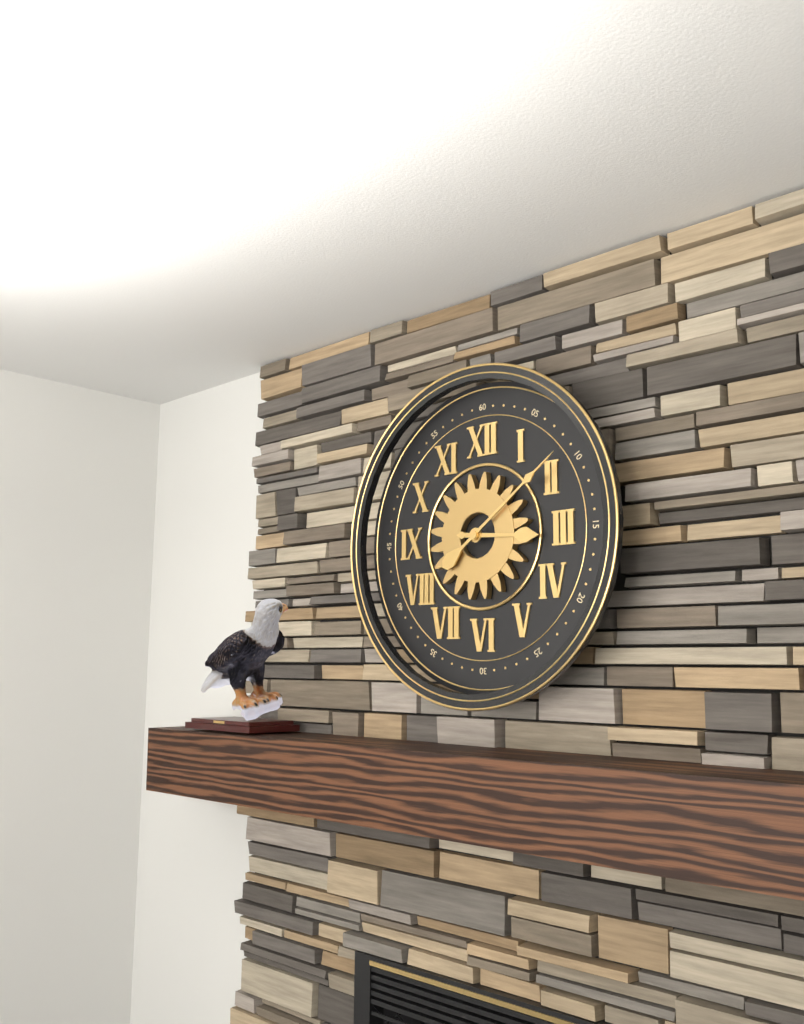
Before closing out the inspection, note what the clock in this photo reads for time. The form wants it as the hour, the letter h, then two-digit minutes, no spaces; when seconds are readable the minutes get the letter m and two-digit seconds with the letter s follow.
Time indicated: 3h09
